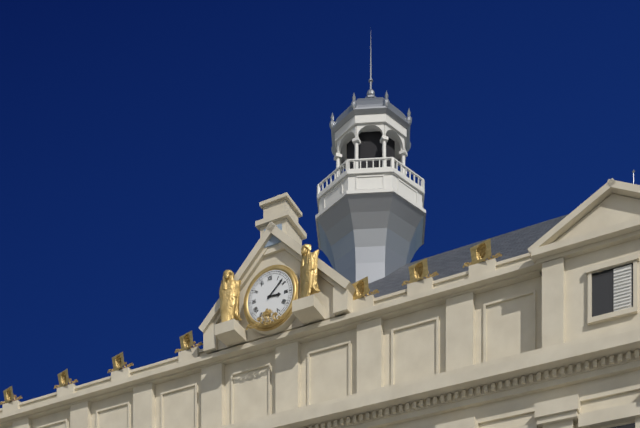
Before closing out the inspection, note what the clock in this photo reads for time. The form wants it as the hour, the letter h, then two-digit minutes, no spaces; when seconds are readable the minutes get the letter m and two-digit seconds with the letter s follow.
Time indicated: 3h08
